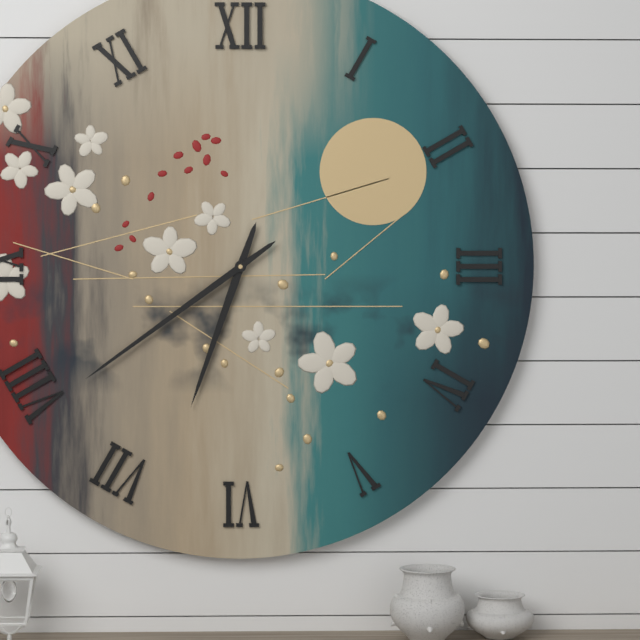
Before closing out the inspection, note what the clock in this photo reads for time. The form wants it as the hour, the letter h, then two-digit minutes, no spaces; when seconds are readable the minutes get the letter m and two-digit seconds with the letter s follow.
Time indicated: 6h39
